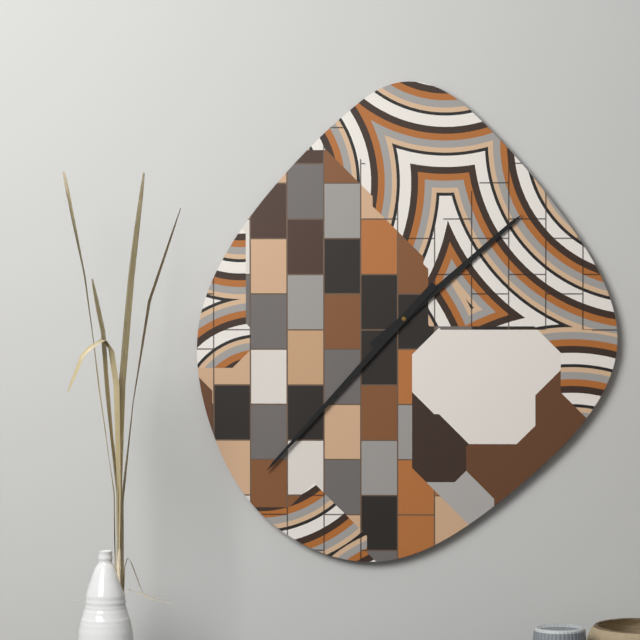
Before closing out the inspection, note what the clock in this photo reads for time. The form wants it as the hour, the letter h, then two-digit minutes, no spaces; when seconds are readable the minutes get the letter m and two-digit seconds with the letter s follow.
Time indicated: 1h37
